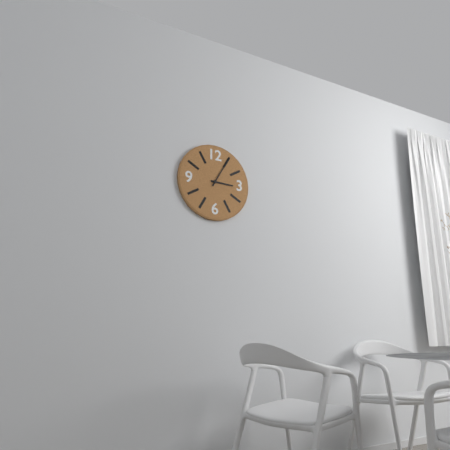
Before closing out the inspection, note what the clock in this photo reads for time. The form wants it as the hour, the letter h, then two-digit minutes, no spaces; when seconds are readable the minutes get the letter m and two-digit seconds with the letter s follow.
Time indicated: 3h05
